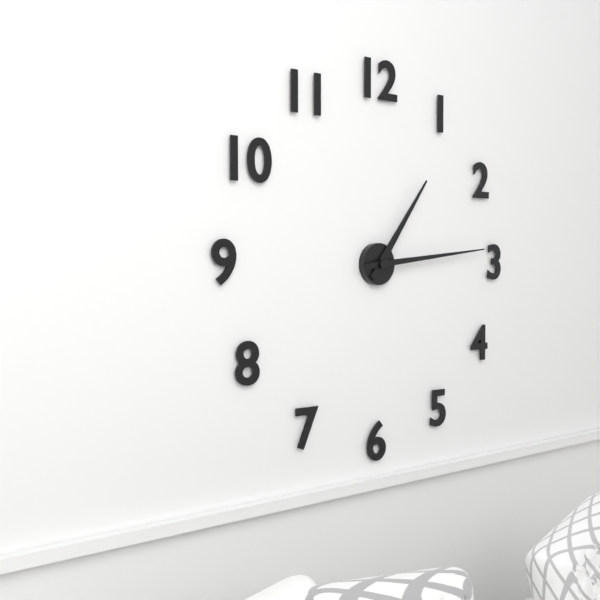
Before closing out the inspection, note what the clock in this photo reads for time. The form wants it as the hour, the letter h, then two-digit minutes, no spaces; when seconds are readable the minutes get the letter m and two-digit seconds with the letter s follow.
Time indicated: 1h14
